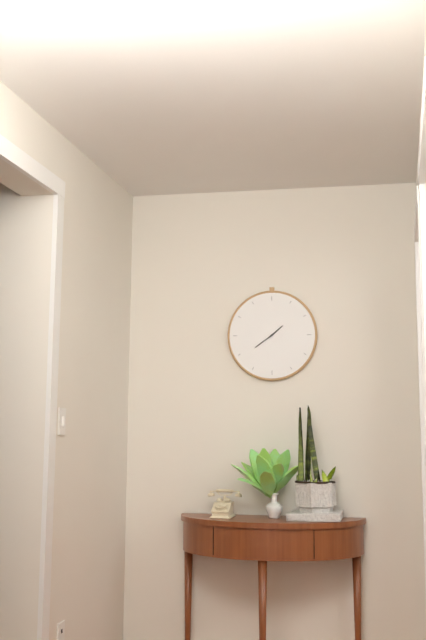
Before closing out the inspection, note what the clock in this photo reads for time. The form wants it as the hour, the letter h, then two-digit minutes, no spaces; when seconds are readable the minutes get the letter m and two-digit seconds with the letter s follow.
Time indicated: 1h39
